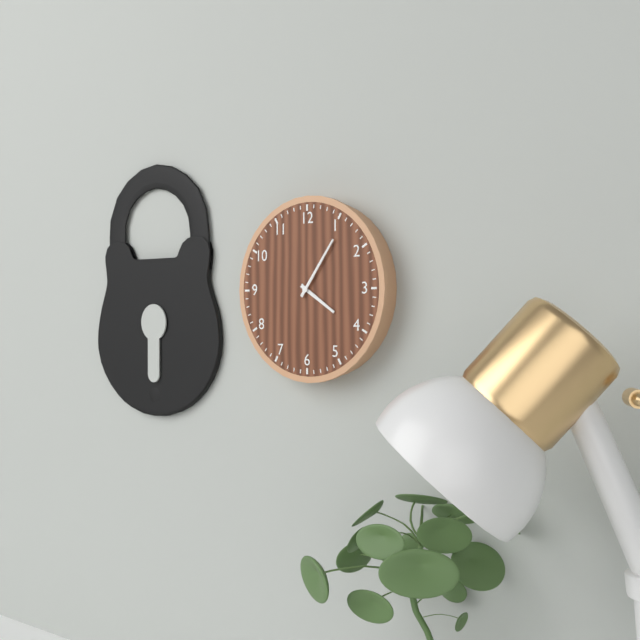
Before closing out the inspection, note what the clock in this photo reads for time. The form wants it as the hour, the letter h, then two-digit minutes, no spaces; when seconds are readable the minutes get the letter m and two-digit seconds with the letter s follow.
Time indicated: 4h06
